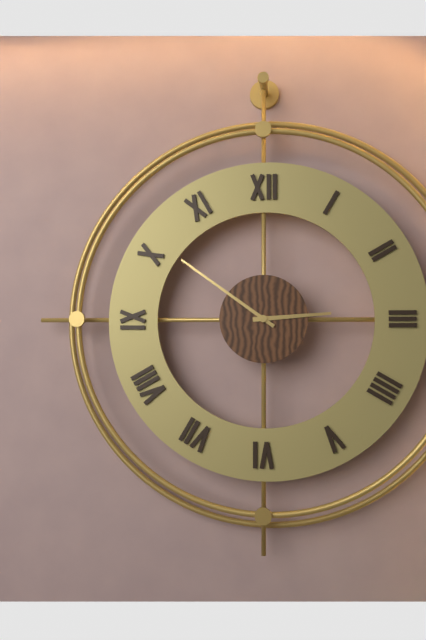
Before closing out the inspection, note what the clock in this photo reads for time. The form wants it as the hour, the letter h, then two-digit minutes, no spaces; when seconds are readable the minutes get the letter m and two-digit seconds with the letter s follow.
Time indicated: 2h51
